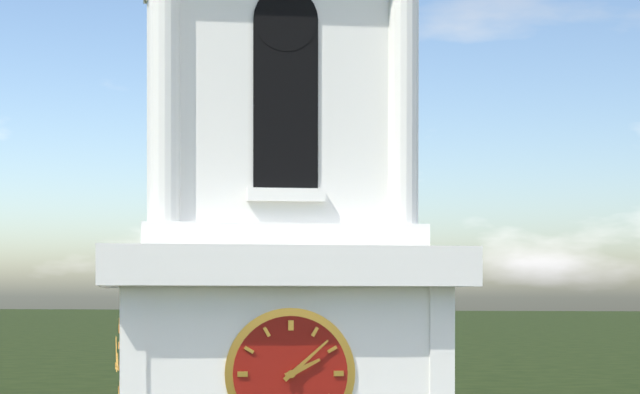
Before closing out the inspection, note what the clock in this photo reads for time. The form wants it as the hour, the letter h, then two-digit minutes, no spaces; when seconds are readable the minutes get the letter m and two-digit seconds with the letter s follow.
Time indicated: 2h08
